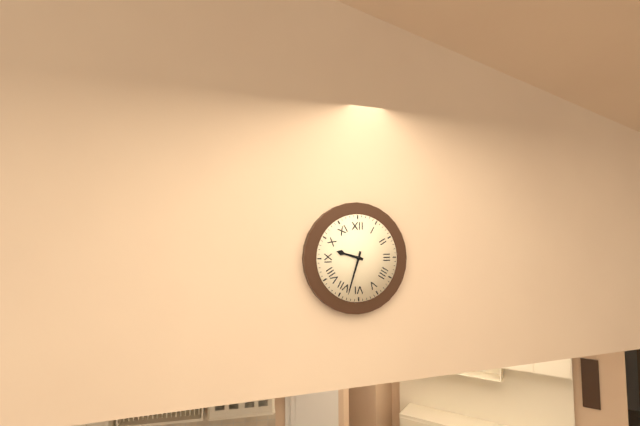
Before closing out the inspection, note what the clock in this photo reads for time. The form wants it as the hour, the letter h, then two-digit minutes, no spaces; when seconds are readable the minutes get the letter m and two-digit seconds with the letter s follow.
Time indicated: 9h33
